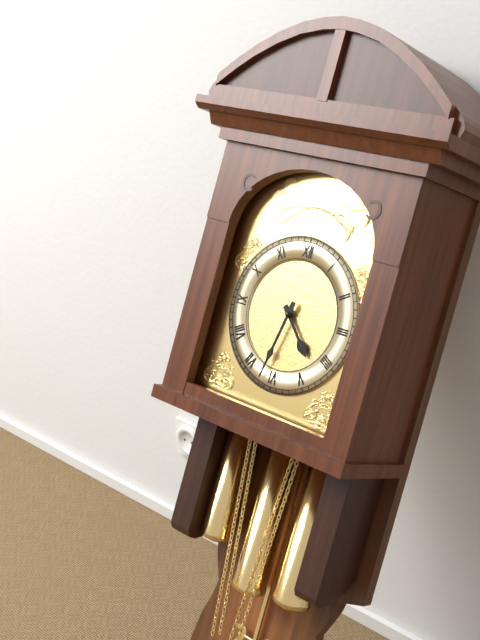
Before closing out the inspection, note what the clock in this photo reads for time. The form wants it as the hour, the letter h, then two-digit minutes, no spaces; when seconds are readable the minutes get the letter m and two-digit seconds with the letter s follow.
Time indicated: 4h32
